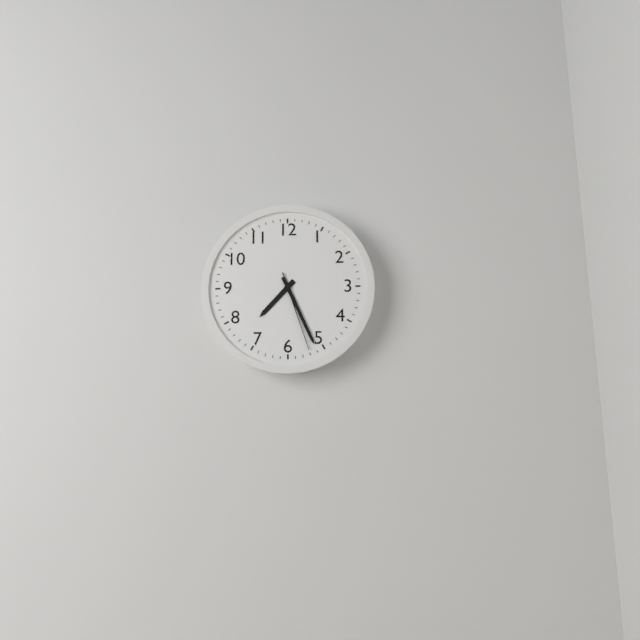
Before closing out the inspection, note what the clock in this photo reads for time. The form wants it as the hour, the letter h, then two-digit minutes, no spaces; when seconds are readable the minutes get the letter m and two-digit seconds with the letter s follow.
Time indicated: 7h26m27s
